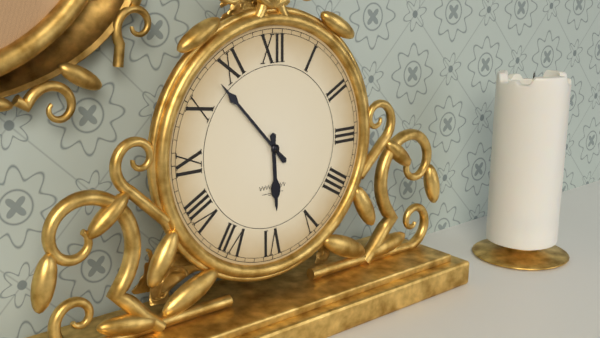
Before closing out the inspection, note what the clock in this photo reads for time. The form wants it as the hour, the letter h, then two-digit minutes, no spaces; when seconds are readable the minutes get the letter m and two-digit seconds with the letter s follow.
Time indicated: 5h53
